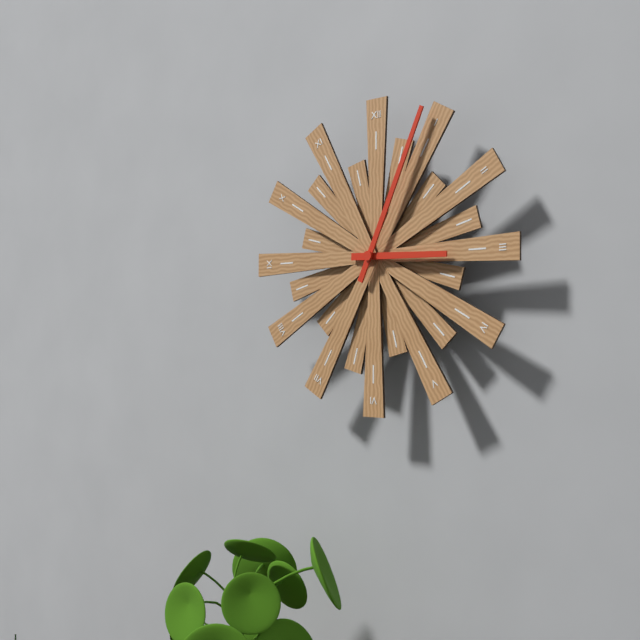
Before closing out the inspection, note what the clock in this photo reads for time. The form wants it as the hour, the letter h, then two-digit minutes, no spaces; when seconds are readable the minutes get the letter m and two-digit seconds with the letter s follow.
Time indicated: 3h04
